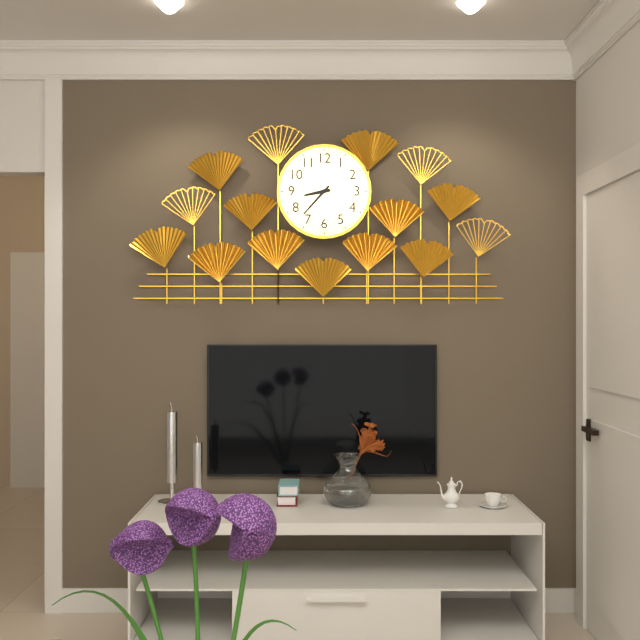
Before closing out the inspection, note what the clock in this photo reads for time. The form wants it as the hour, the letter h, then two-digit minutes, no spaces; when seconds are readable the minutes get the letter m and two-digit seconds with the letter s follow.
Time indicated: 8h37
